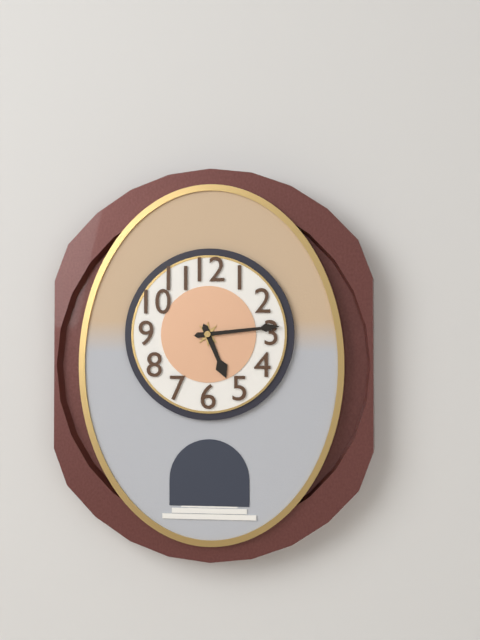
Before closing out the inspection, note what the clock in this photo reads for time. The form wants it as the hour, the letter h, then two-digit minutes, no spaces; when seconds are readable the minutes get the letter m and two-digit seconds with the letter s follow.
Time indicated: 5h14
